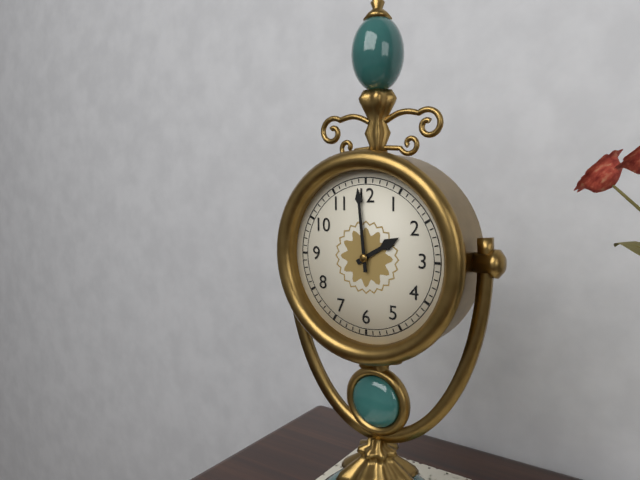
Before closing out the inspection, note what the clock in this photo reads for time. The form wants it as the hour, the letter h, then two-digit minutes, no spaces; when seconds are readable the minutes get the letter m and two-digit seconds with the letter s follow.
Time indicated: 1h59
